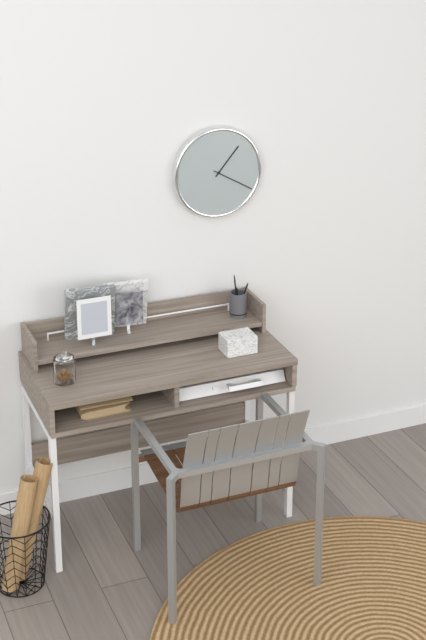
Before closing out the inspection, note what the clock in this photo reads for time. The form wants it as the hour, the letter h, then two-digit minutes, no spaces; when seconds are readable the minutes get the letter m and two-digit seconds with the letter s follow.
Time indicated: 1h20
